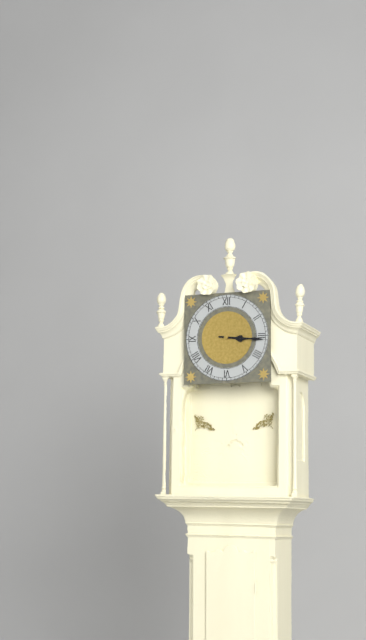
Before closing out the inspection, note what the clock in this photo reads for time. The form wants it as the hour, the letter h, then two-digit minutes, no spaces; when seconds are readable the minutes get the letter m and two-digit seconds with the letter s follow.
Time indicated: 3h16
